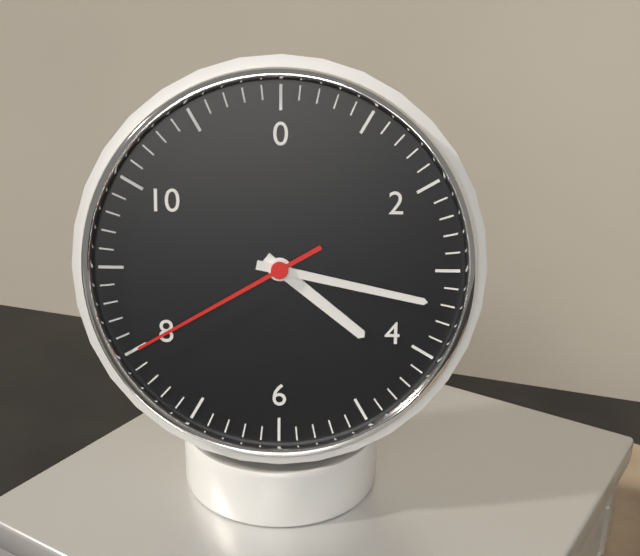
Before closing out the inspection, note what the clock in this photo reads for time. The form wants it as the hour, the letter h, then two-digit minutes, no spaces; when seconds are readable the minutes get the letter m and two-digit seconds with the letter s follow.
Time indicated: 4h17m40s
